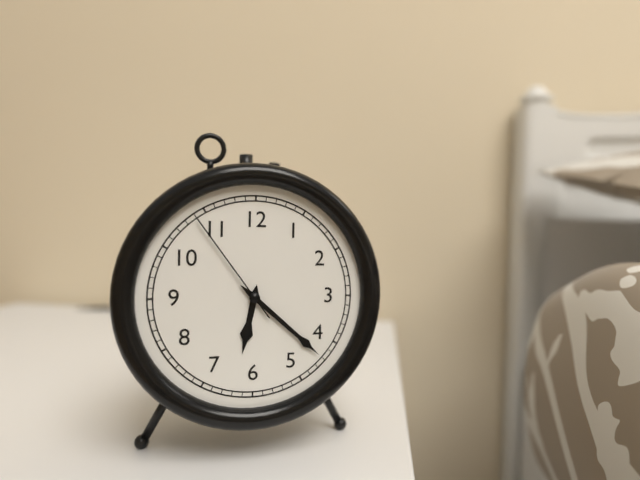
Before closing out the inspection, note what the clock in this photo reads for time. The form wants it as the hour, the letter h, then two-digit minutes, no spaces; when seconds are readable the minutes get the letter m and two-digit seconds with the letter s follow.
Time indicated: 6h22m54s
